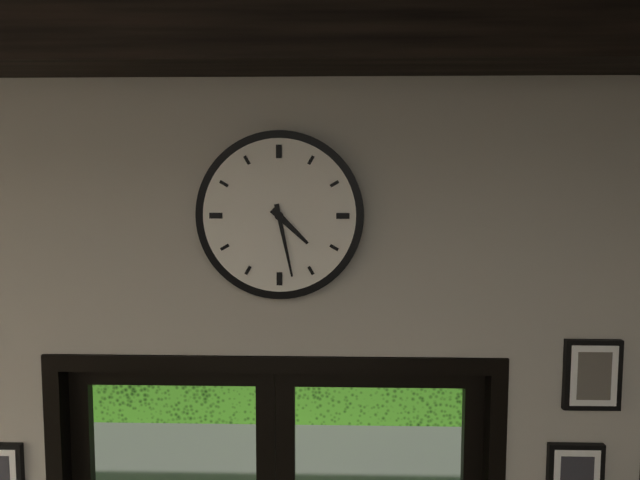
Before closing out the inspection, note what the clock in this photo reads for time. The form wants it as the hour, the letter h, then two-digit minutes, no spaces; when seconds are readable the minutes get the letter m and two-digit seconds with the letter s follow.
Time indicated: 4h28
